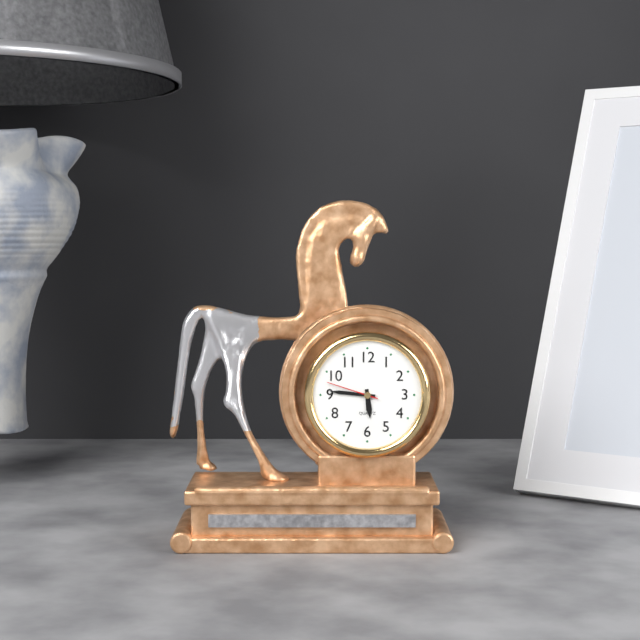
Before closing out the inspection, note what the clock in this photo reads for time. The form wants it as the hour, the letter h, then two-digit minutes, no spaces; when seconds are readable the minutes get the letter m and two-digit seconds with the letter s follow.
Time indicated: 5h46m48s
